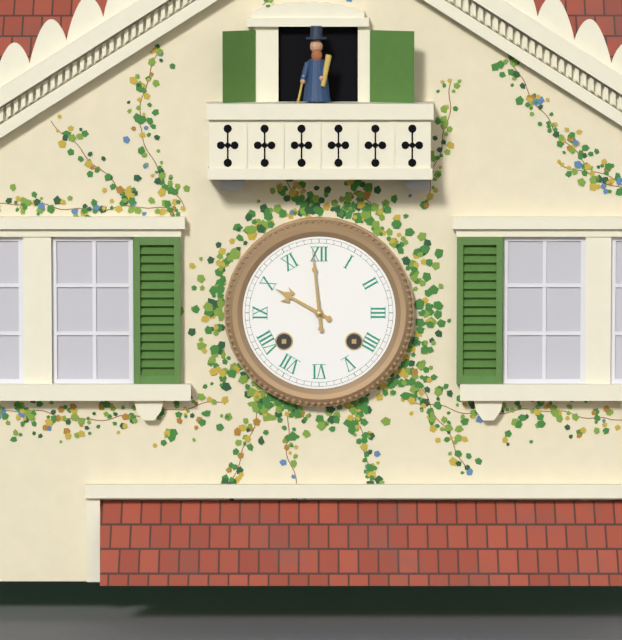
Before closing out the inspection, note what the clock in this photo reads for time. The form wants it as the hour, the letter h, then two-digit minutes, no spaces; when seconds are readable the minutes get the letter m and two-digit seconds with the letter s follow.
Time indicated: 9h59
